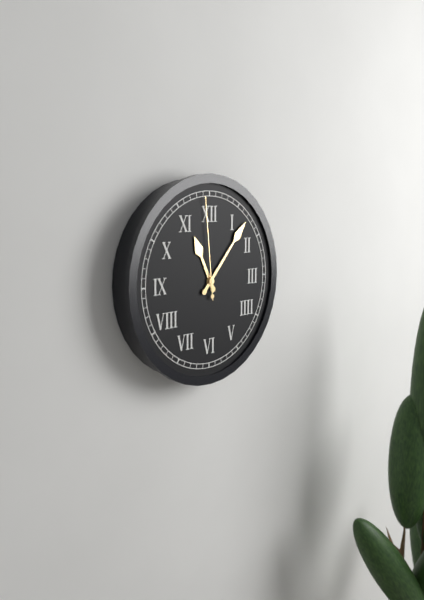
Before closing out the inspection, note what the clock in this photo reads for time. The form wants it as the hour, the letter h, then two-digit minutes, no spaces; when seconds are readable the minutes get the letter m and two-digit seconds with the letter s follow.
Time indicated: 11h07m59s
